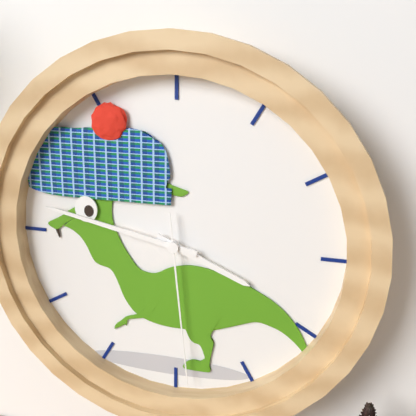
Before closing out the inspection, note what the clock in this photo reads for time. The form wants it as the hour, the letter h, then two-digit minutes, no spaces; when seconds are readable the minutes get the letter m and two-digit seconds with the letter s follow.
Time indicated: 3h47m29s
